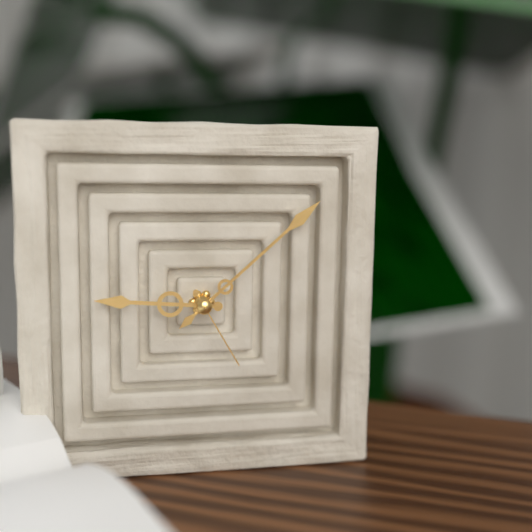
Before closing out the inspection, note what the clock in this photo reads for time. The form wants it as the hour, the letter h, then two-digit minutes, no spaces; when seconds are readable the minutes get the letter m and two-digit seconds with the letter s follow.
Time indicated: 9h08m25s
